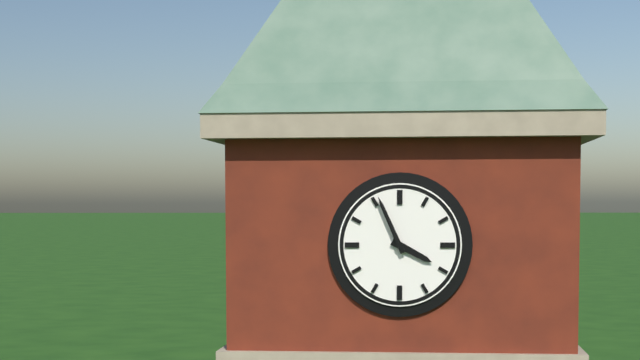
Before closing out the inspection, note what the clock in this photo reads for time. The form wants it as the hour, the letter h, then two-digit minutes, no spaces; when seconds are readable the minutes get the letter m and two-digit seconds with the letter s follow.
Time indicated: 3h56
